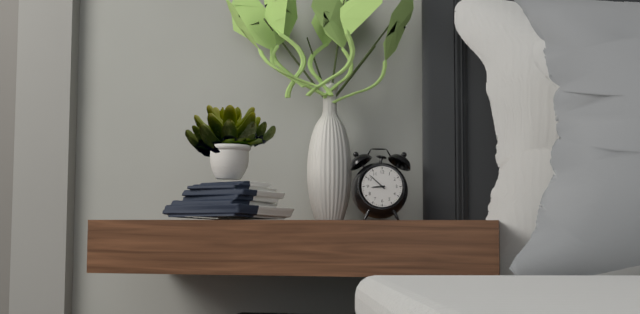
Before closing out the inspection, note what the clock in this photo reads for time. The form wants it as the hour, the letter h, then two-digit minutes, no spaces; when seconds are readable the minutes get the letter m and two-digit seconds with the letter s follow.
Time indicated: 8h52
